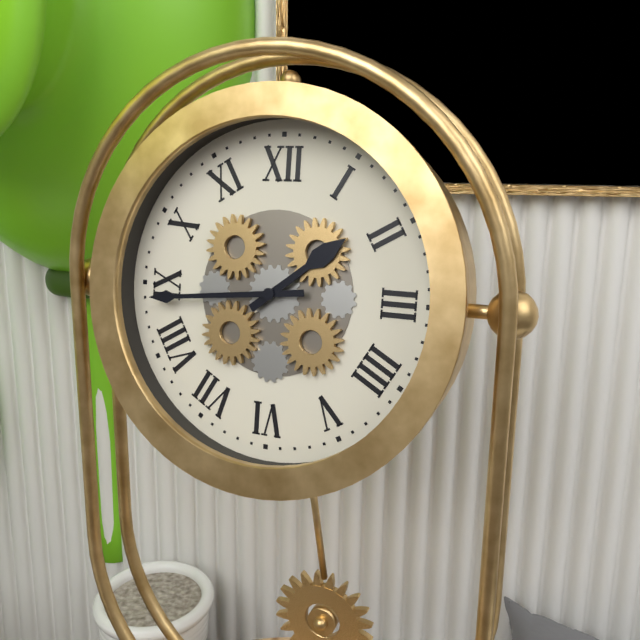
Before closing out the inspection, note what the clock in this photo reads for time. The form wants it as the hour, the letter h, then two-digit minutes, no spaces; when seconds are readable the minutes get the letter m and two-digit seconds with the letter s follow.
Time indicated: 1h44
